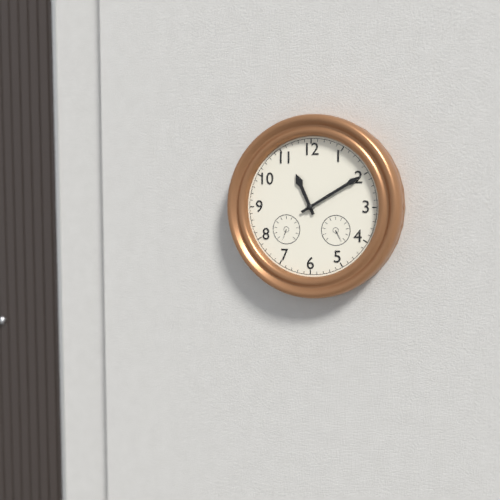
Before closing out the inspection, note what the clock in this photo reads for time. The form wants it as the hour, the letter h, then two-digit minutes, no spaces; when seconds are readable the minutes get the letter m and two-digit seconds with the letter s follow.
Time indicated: 11h10
